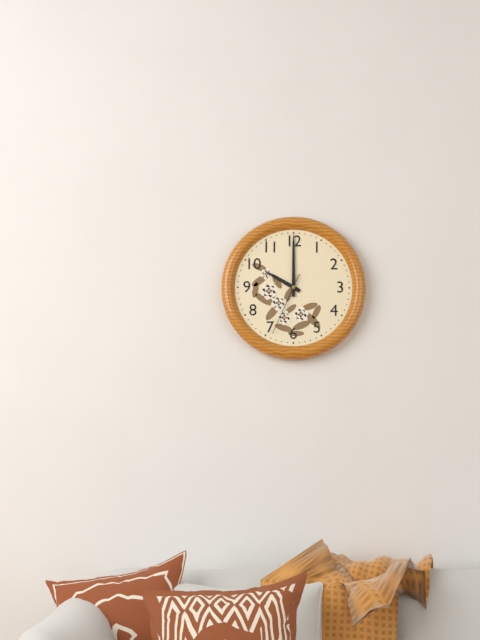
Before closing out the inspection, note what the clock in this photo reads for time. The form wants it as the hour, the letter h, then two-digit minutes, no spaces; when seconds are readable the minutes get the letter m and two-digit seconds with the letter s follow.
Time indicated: 10h00m34s
